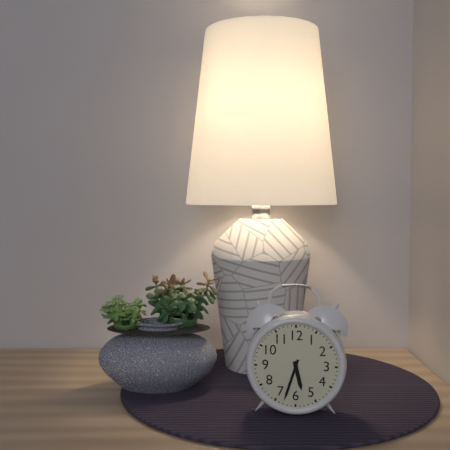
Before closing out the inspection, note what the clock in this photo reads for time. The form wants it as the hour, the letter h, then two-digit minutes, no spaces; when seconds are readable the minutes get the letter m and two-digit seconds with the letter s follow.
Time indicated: 5h33
